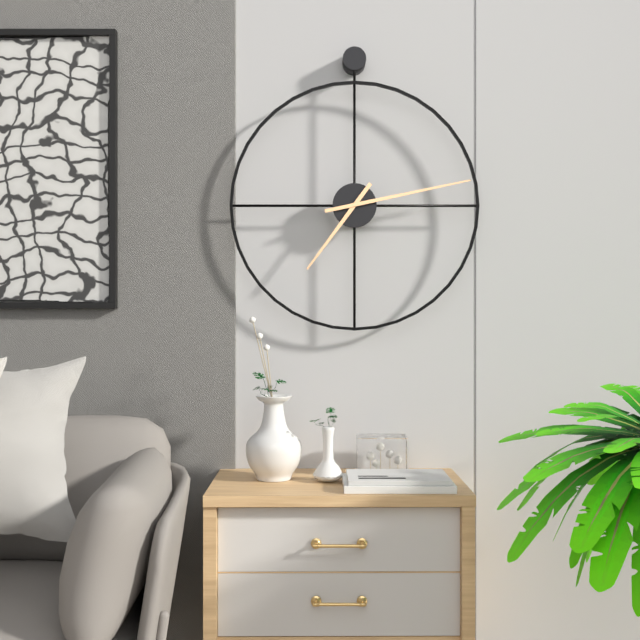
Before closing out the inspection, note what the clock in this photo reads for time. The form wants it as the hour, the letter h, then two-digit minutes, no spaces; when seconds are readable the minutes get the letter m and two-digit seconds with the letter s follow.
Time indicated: 7h13
